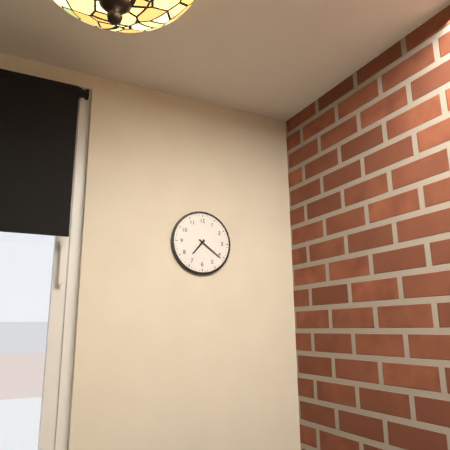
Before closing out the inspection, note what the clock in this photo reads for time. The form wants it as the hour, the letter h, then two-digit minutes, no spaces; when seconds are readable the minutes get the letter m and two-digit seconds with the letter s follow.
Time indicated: 7h21
